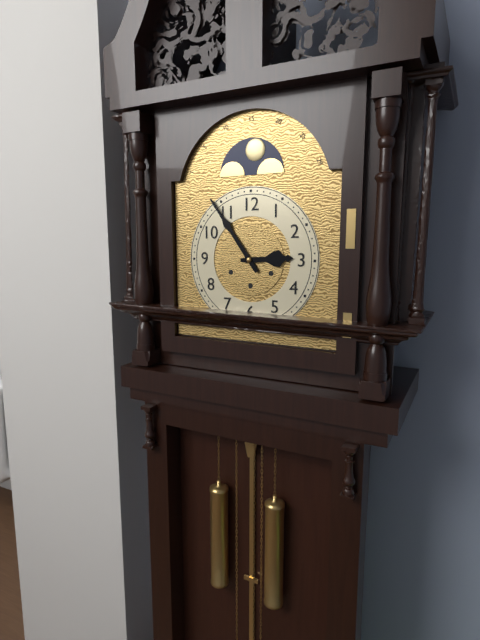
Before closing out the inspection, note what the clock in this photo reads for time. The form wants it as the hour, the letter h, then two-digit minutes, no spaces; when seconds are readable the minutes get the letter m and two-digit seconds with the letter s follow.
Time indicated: 2h54
